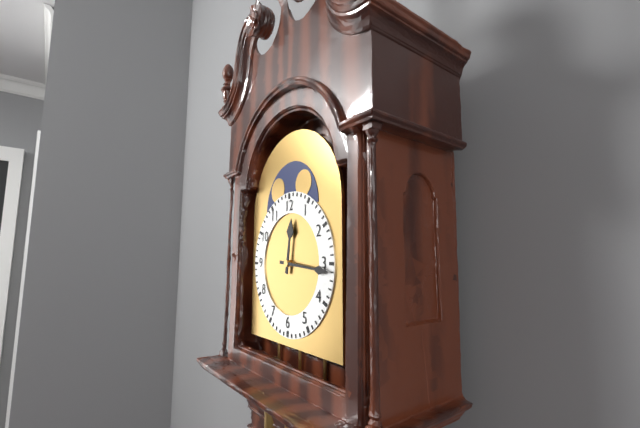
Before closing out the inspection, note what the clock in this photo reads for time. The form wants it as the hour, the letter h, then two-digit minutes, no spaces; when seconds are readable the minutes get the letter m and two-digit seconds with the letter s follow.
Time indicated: 12h16
